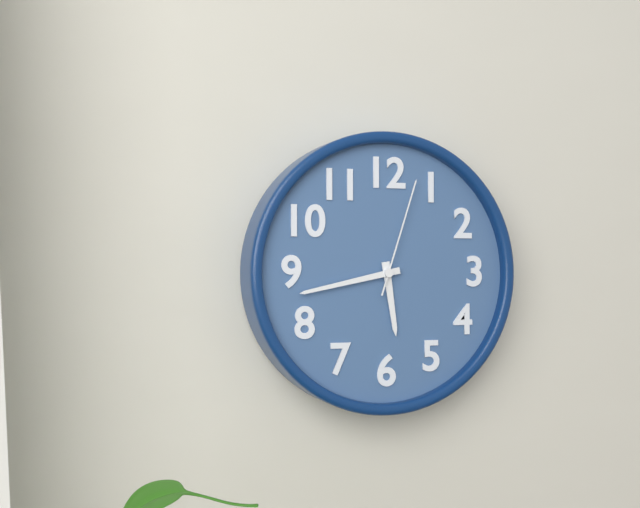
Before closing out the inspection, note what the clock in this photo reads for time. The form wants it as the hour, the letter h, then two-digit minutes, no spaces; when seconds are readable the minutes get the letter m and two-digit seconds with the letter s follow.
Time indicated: 5h43m03s
